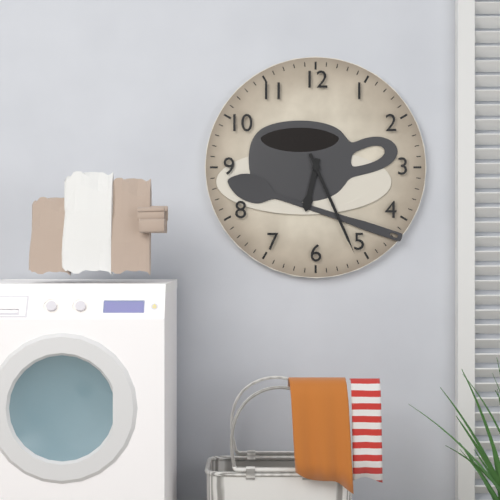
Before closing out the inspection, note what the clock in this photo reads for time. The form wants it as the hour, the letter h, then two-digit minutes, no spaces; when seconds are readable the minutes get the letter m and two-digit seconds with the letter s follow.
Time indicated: 6h26
